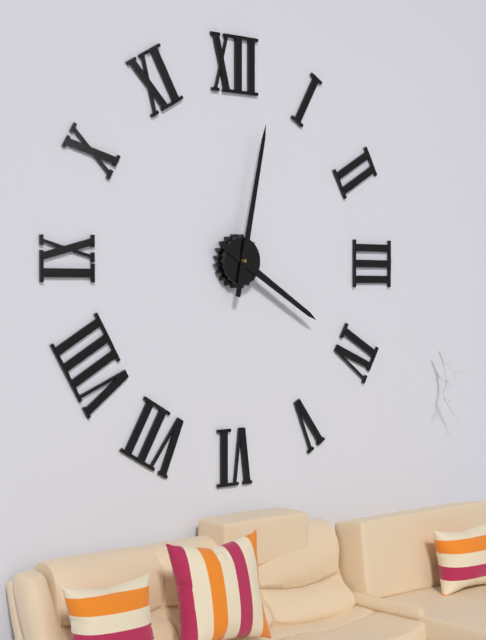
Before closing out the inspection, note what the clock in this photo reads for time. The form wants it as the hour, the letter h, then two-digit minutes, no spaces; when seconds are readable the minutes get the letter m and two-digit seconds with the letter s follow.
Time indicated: 4h02
